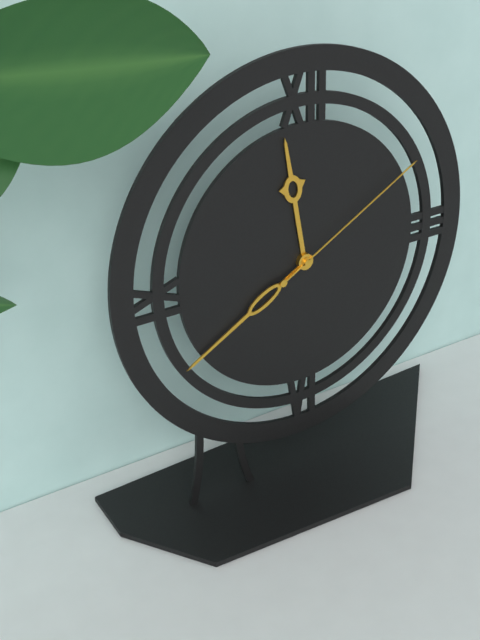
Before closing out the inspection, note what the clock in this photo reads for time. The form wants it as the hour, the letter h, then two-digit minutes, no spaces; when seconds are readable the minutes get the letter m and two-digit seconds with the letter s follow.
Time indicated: 11h40m10s
